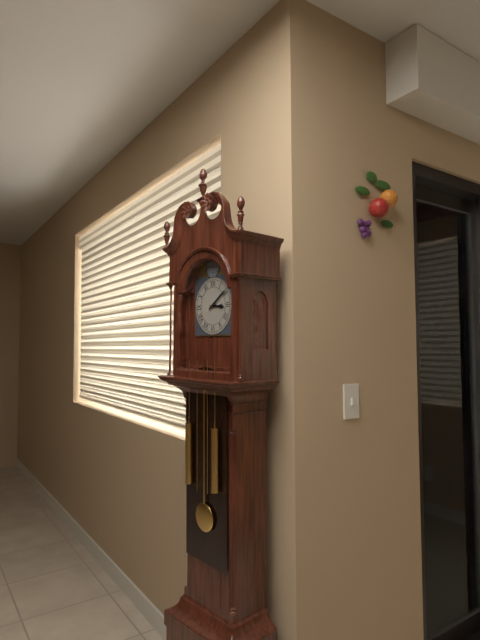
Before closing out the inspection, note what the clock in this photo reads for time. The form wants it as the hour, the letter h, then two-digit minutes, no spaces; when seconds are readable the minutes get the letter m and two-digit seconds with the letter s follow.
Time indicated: 3h09
